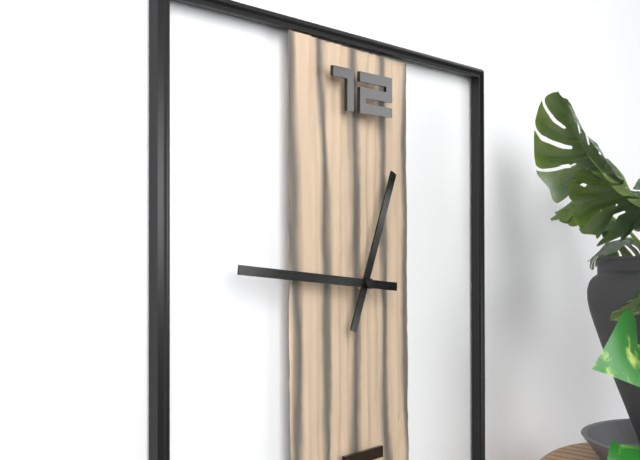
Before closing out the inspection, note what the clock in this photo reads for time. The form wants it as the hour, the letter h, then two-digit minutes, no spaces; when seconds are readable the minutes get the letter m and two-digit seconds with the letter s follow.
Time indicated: 12h46
